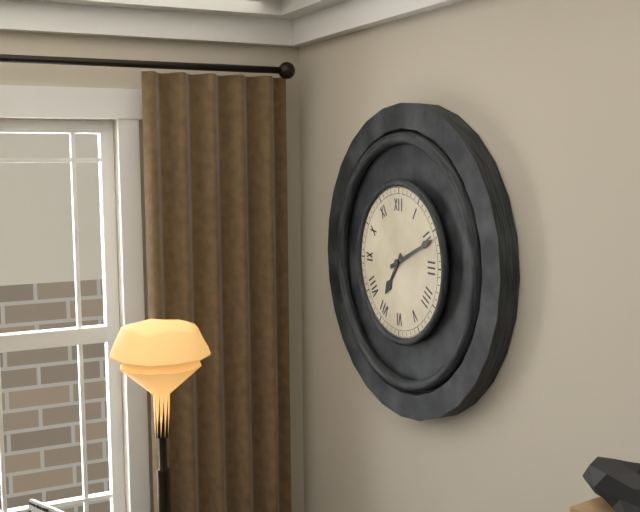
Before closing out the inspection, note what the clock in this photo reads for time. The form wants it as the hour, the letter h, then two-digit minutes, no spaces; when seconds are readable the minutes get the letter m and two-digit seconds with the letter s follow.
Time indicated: 7h11
